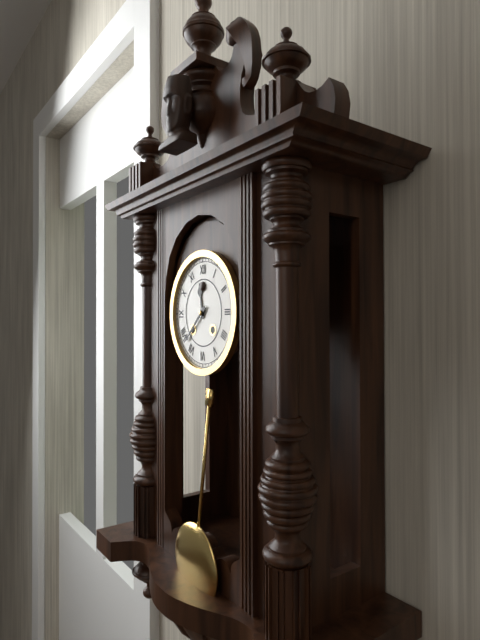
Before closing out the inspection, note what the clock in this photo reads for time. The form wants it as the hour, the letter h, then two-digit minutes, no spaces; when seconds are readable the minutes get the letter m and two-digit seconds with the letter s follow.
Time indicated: 11h38
